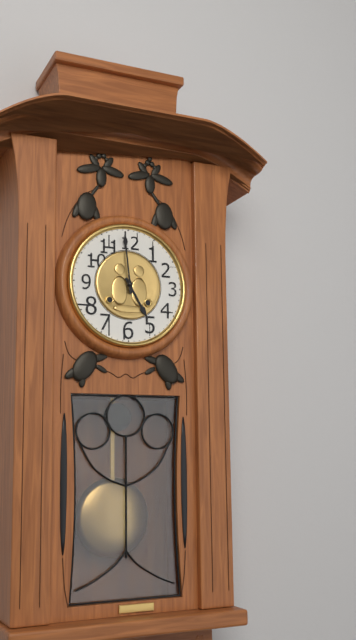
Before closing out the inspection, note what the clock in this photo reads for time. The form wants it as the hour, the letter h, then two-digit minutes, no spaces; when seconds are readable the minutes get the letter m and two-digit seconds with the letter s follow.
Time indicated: 4h59
